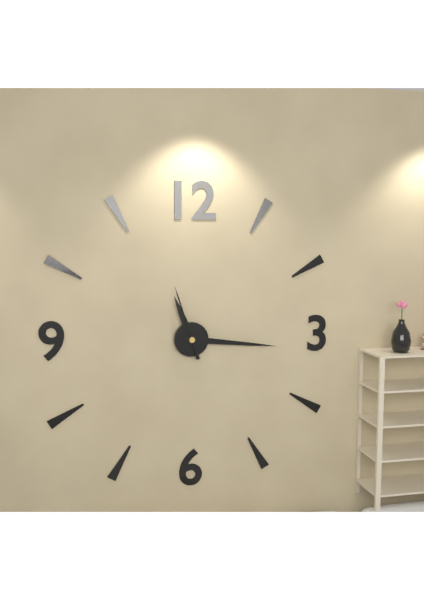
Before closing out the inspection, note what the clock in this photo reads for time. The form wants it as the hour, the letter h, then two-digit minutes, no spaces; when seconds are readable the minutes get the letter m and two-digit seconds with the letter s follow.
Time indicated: 11h16m57s
